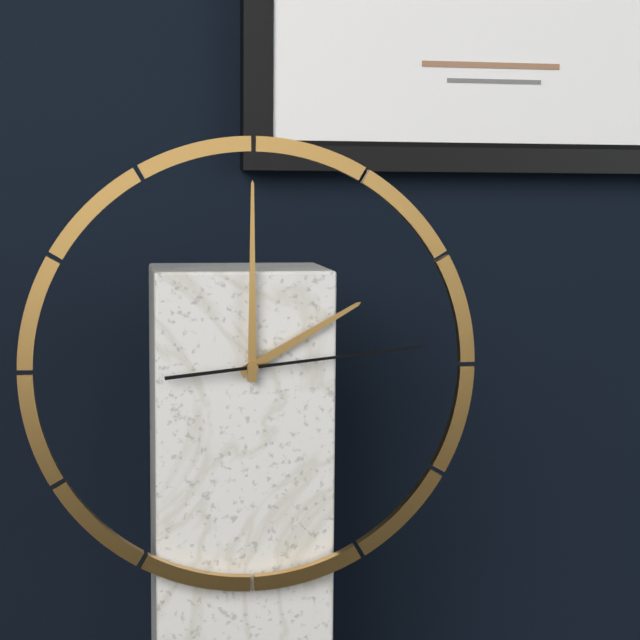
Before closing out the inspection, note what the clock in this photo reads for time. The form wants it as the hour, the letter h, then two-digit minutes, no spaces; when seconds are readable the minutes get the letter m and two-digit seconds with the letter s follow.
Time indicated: 2h00m14s
